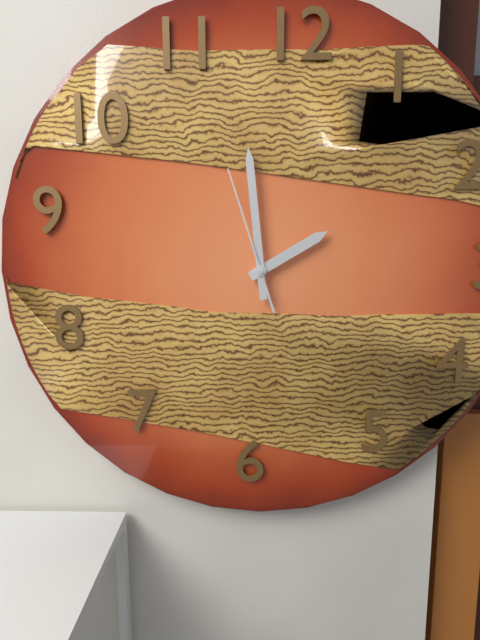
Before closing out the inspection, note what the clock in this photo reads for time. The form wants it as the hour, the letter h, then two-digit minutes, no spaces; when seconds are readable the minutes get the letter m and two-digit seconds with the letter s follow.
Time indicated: 1h59m57s
